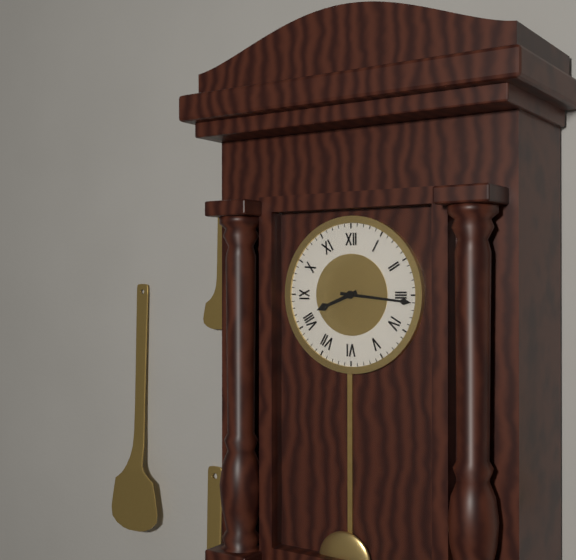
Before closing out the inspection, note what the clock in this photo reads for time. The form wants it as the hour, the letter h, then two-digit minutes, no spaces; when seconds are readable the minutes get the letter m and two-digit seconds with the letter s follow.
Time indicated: 8h16
